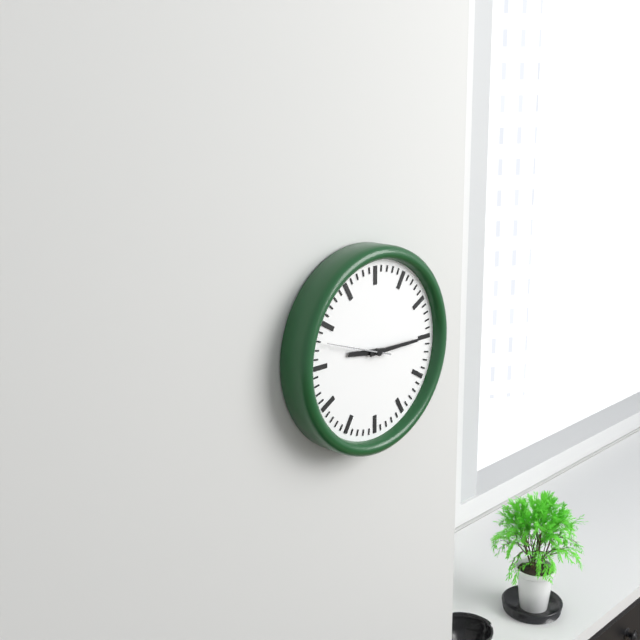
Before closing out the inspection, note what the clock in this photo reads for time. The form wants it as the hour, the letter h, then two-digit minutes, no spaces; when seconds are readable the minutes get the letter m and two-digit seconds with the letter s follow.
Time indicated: 9h15
